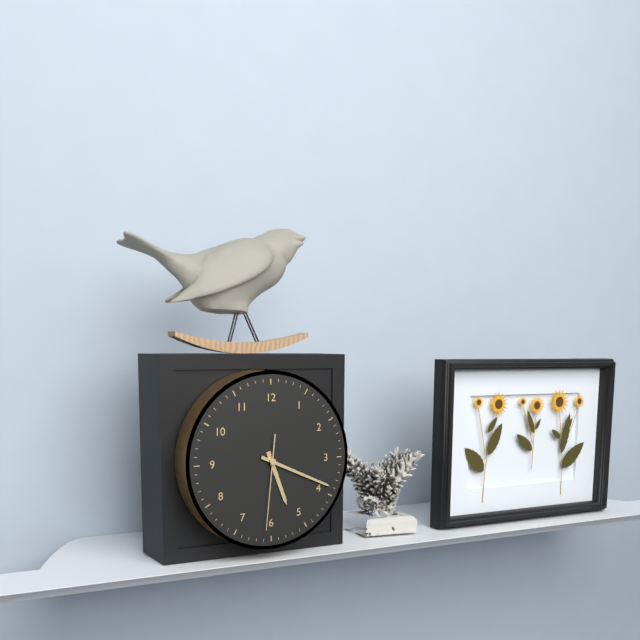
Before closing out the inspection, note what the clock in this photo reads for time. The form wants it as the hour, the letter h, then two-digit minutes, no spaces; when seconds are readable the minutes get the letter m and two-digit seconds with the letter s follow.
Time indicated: 5h19m31s
